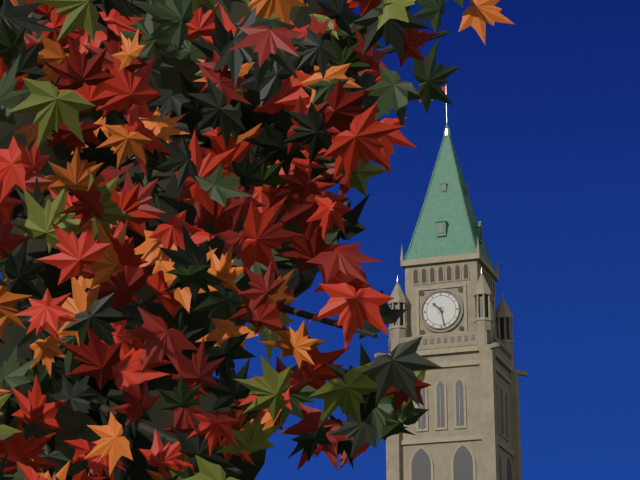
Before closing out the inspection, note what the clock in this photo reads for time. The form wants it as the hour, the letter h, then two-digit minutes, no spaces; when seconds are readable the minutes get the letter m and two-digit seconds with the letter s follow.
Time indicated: 10h28
